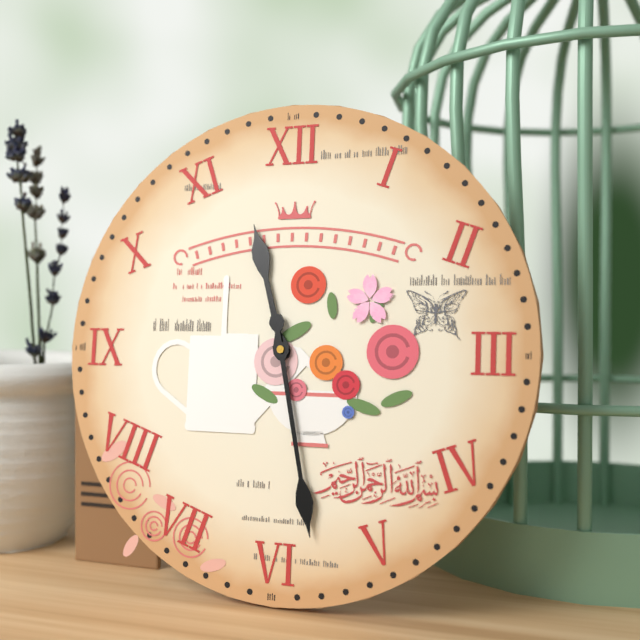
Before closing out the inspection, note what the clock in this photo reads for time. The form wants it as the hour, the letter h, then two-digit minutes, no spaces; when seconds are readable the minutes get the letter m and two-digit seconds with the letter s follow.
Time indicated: 11h28
